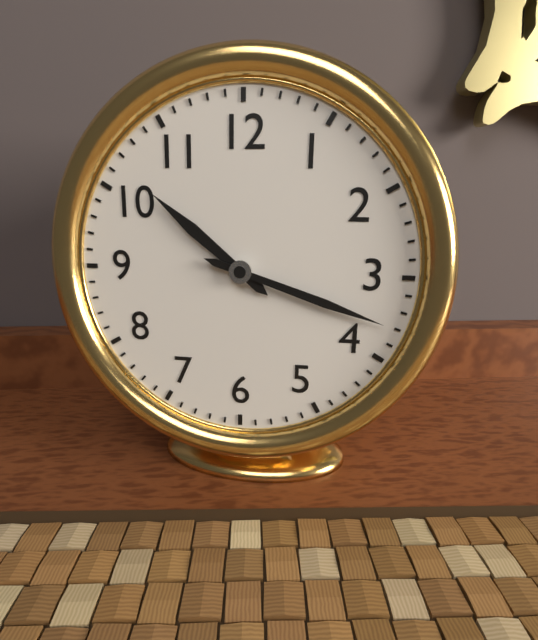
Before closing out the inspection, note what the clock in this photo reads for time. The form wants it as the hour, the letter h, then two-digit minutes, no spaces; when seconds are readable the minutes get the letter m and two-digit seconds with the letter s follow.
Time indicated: 10h18
